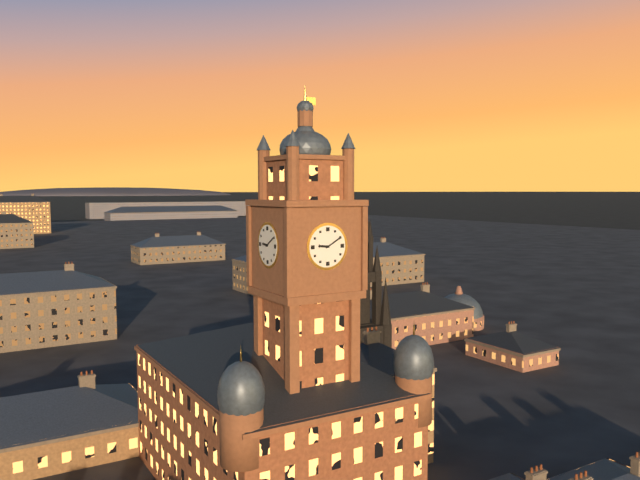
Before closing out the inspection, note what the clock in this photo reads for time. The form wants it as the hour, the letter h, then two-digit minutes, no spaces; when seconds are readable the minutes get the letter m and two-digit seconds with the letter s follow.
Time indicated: 9h10
